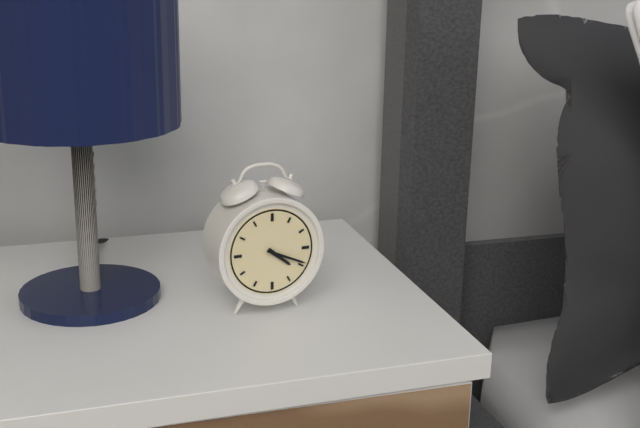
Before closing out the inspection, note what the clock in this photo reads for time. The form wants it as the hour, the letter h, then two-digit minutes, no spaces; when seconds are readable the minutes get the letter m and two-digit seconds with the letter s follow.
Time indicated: 4h19
